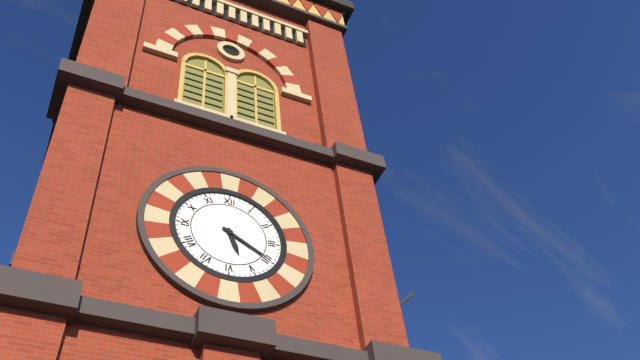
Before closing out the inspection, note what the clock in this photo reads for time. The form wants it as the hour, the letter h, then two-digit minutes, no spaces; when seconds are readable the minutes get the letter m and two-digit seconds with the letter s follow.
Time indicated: 5h20
